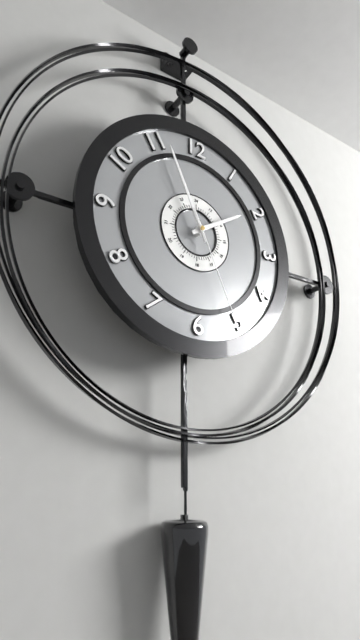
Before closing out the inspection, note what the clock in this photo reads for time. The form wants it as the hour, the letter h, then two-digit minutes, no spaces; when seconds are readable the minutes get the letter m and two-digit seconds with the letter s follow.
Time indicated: 1h56m26s
